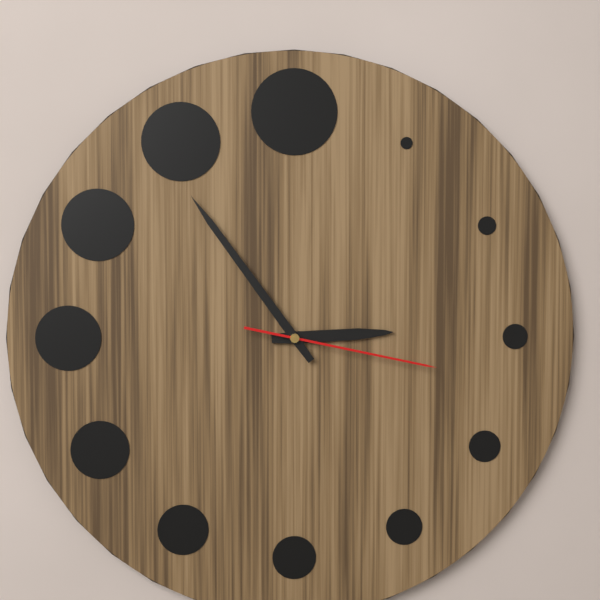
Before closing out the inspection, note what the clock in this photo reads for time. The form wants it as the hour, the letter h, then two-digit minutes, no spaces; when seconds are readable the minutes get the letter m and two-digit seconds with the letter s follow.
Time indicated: 2h54m17s
